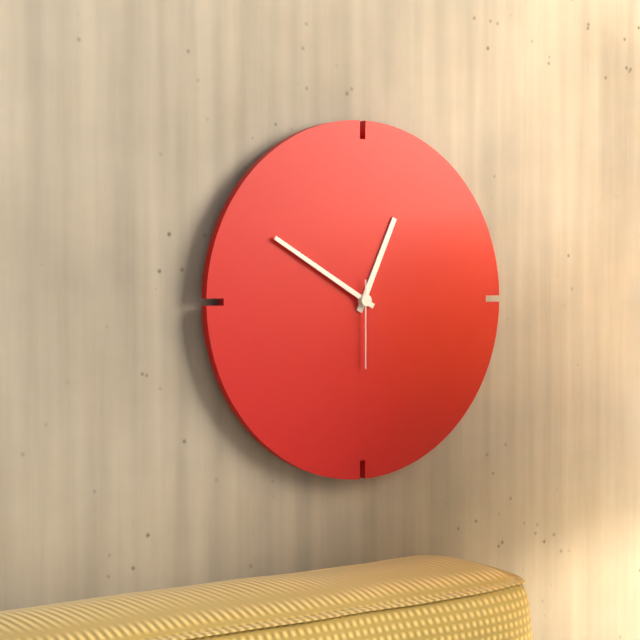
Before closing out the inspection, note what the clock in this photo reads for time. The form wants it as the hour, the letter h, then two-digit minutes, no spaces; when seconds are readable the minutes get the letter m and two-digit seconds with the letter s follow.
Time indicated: 12h50m30s
